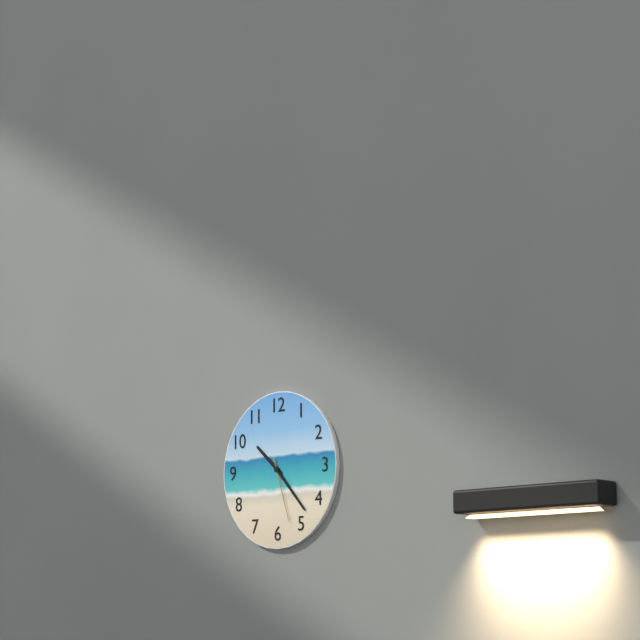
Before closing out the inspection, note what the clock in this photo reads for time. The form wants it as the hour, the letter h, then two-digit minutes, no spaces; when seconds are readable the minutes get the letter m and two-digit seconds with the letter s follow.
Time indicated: 10h23m27s
